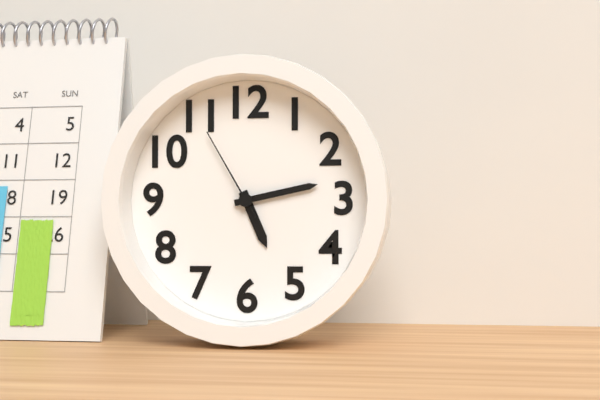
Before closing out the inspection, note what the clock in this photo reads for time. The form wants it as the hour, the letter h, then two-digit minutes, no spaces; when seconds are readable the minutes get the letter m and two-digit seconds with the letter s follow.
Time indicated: 5h13m55s
